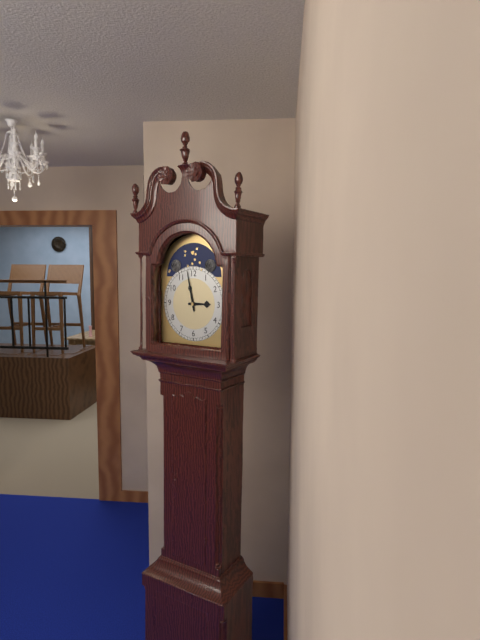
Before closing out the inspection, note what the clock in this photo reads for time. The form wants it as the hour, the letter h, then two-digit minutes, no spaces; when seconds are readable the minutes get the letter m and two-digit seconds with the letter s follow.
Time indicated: 2h58
